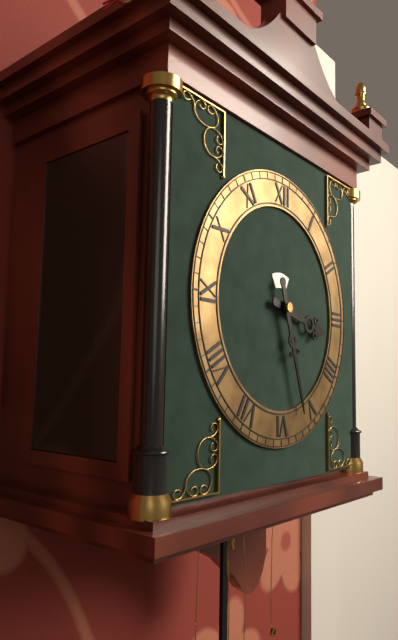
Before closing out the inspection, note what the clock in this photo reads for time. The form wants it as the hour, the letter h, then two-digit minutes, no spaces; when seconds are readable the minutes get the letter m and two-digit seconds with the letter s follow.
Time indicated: 3h27
